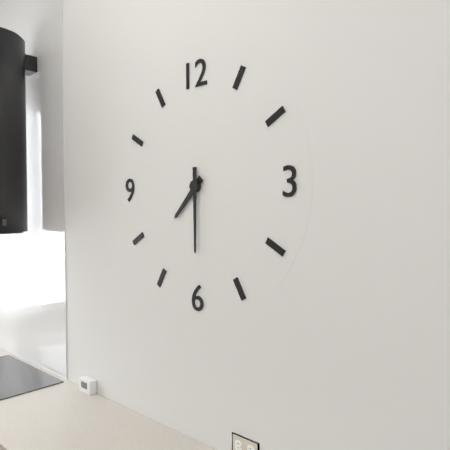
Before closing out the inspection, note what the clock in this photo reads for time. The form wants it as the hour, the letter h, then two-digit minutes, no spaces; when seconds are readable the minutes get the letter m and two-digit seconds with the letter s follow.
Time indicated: 7h30
